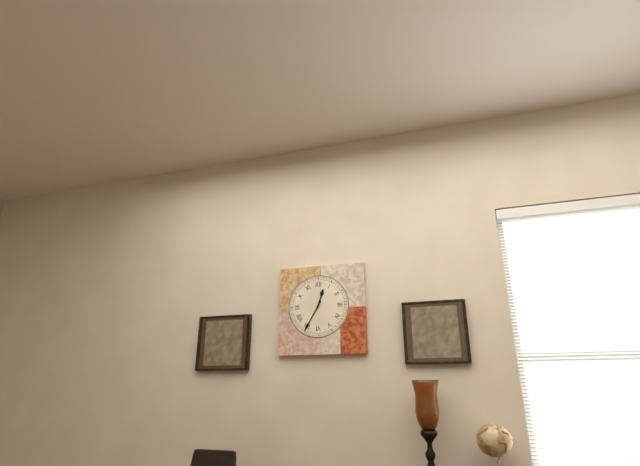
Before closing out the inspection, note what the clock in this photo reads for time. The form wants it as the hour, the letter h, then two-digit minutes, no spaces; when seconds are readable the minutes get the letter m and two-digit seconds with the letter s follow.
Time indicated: 12h35
